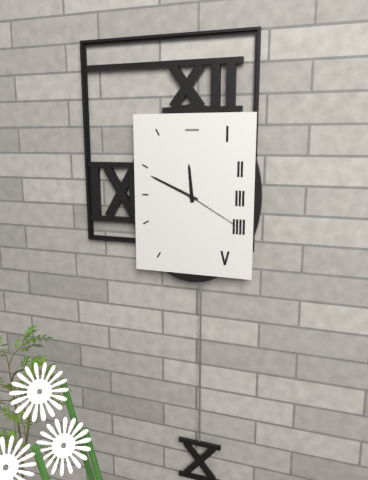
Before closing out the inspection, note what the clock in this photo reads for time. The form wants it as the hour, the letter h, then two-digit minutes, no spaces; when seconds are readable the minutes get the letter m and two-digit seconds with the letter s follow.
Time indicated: 11h49m20s
